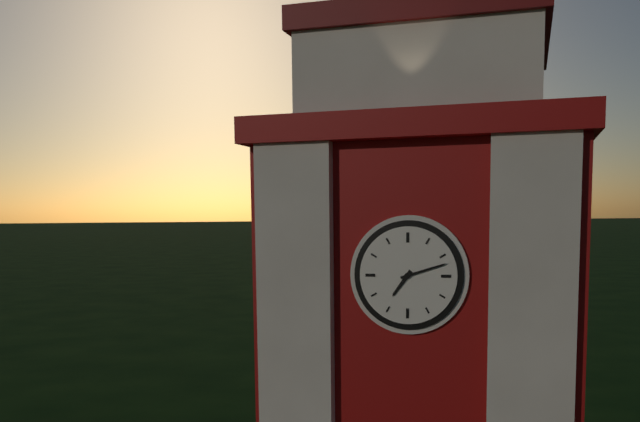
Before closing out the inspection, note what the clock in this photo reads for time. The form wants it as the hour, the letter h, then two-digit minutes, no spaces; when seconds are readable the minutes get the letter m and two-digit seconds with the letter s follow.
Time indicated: 7h12
